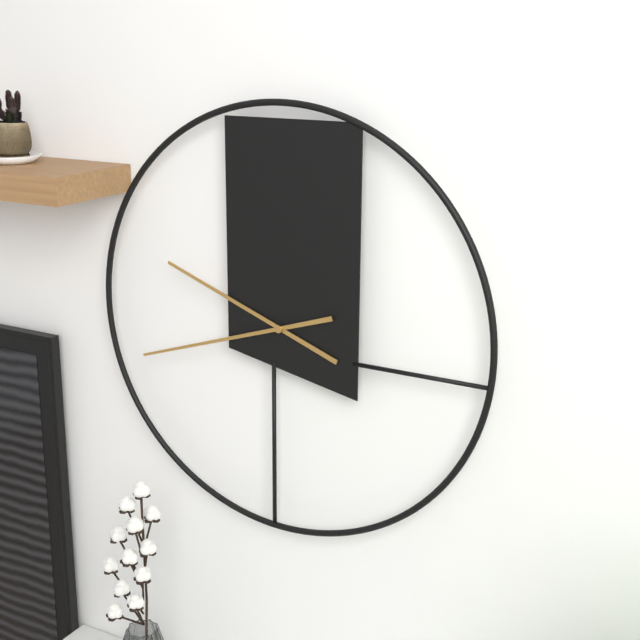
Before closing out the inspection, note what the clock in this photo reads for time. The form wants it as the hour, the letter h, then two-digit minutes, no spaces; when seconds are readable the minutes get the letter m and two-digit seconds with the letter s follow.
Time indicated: 9h42
